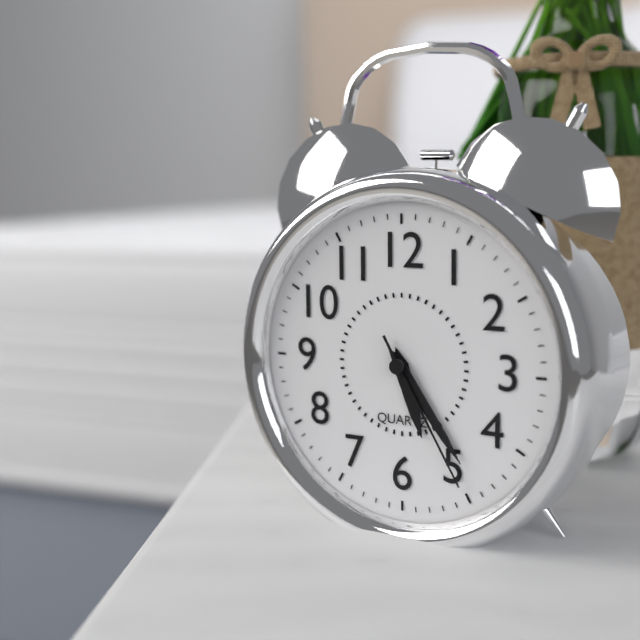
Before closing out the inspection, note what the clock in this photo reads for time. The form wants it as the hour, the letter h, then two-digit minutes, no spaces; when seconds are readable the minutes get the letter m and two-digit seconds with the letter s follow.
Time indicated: 5h24m25s
